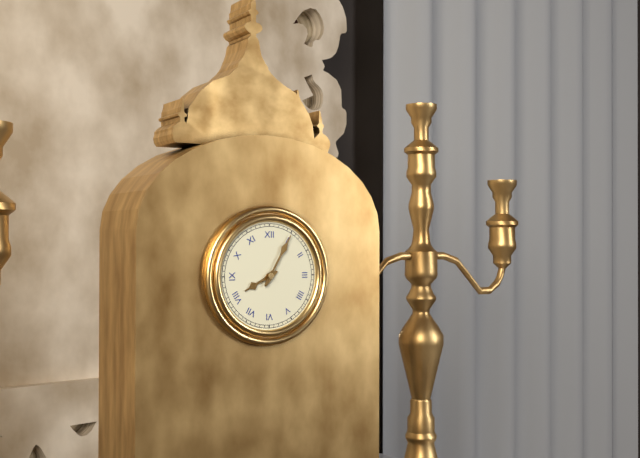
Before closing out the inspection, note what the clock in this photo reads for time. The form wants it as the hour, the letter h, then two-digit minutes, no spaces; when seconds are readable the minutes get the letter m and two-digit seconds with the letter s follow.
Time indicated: 8h05
